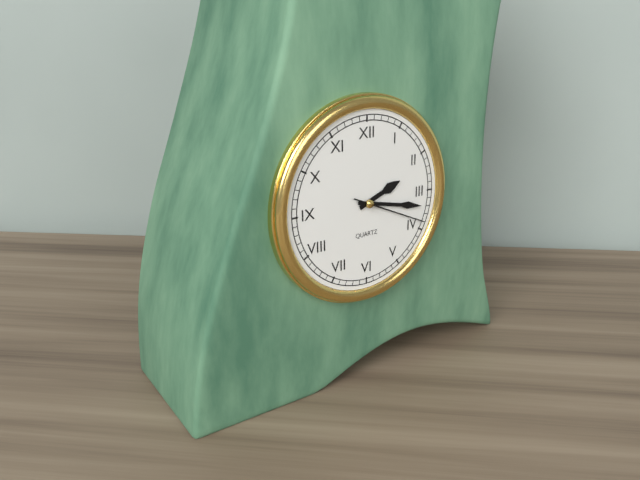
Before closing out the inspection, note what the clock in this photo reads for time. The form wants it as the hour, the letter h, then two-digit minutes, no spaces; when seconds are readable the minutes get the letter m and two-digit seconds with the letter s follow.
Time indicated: 2h17m19s
